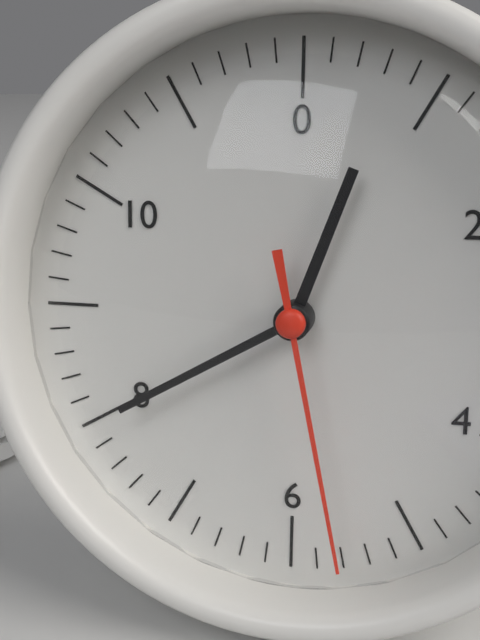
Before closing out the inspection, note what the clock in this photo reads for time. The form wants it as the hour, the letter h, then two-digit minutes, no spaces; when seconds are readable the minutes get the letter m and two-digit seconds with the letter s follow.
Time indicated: 12h40m28s
